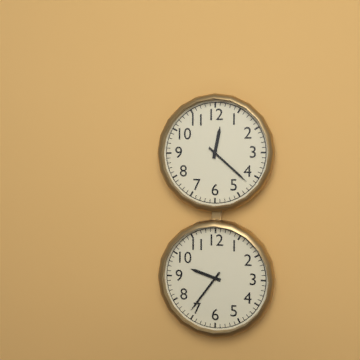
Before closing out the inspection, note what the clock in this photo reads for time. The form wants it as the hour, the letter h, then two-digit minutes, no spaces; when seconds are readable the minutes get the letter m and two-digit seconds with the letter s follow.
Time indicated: 12h22
